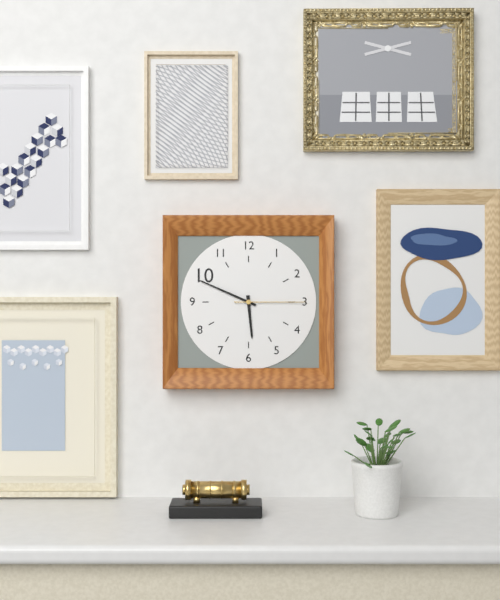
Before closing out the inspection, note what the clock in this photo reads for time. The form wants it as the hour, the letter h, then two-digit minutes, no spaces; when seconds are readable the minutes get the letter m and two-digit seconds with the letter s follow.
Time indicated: 5h49m15s
